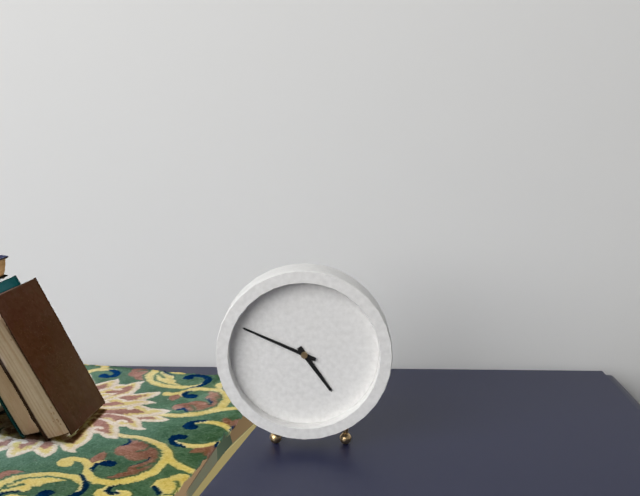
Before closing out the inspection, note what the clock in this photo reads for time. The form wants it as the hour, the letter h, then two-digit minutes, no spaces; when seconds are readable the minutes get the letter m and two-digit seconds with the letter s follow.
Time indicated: 4h49
